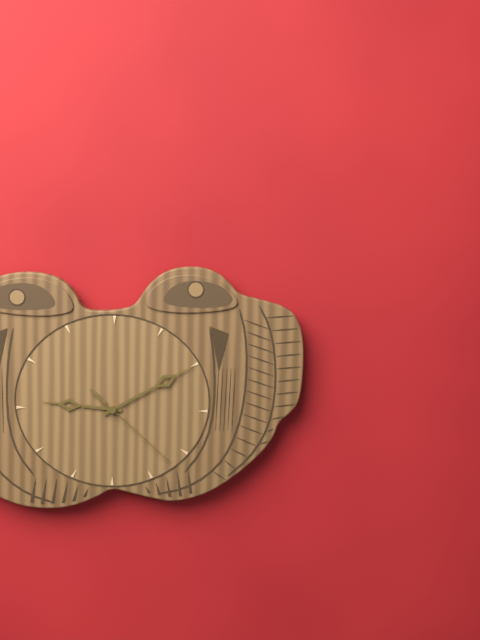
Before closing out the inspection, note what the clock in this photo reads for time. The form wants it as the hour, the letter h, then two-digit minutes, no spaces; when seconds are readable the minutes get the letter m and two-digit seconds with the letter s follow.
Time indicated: 9h10m22s
